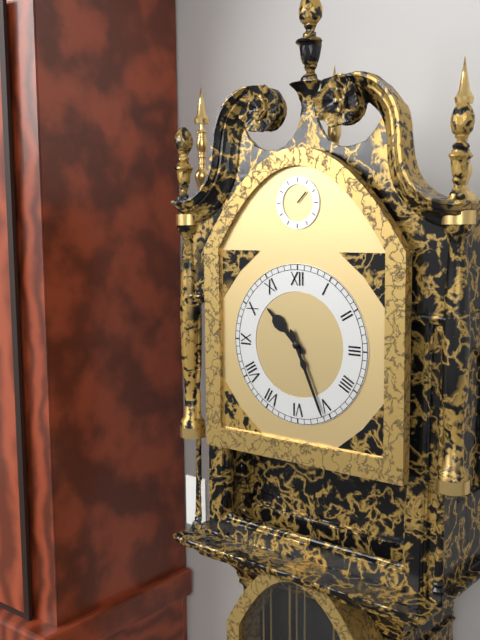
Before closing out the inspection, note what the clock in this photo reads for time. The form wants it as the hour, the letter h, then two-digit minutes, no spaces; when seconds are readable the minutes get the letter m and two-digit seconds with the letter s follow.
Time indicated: 10h26
